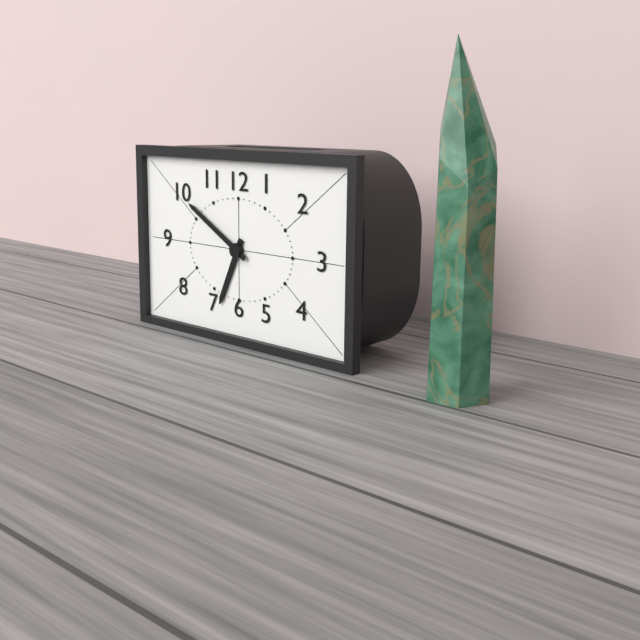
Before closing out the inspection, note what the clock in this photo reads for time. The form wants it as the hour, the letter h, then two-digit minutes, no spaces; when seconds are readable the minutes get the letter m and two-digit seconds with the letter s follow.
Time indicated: 6h50
